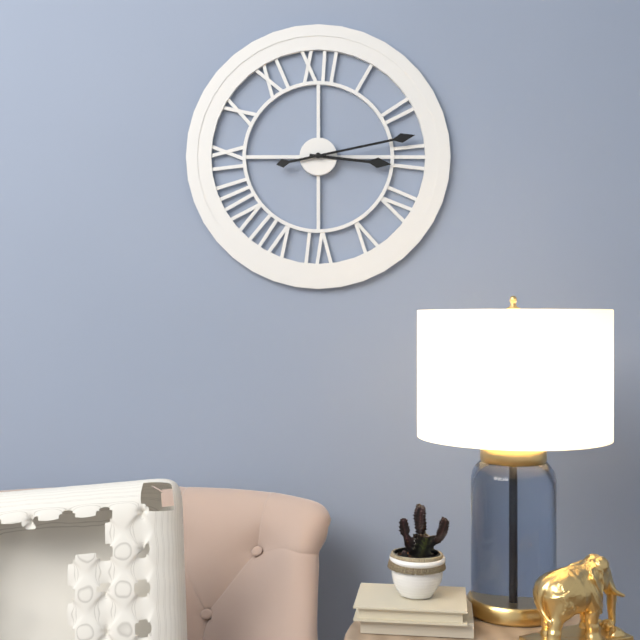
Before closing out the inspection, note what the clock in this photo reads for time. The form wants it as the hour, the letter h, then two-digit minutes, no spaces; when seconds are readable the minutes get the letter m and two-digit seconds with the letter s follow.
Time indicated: 3h13
